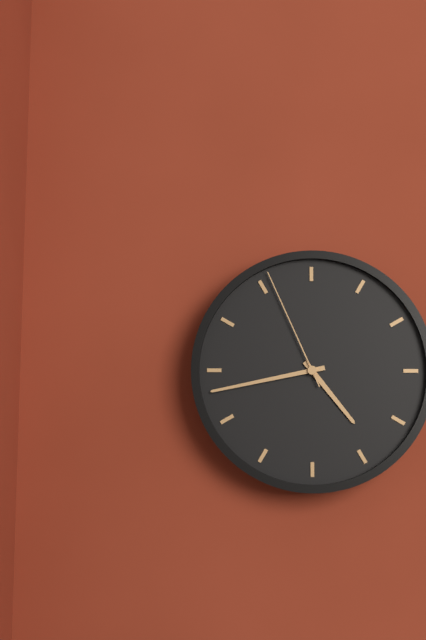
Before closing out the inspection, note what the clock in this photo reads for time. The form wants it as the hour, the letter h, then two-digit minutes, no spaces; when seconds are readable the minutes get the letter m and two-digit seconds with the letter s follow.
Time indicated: 4h43m56s
